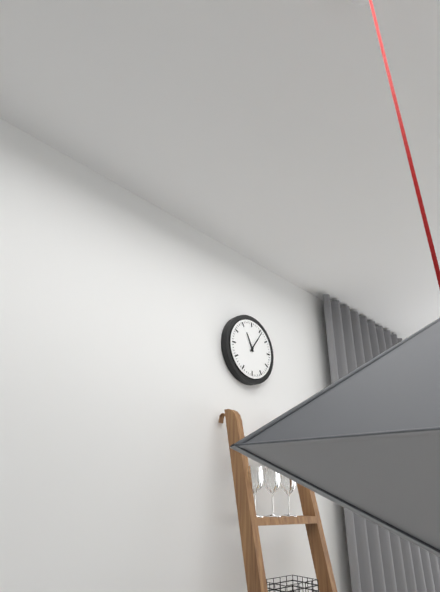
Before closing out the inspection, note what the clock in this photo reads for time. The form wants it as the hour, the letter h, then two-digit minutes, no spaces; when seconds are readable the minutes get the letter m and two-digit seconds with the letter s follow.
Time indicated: 11h06
